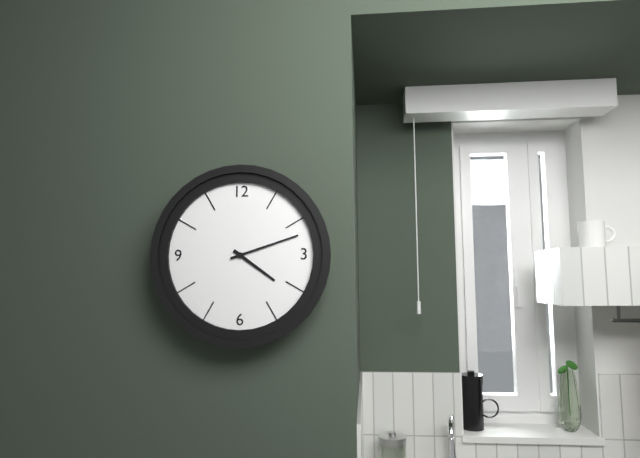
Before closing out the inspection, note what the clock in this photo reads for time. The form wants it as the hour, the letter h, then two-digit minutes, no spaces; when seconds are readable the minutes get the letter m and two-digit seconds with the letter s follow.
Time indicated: 4h12
